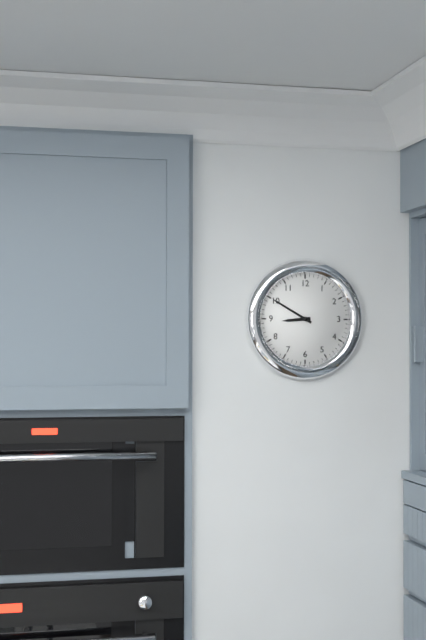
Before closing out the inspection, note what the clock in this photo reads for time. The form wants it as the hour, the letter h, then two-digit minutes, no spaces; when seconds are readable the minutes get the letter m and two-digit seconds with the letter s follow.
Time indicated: 8h50
